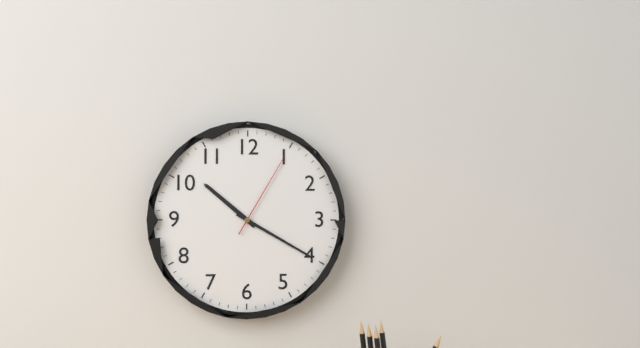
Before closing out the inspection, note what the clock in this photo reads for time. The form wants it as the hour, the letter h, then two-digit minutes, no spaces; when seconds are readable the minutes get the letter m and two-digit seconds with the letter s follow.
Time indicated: 10h20m05s
